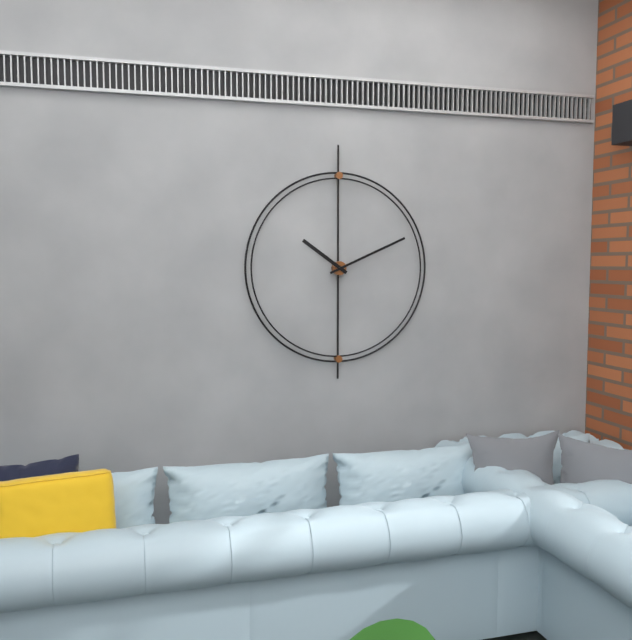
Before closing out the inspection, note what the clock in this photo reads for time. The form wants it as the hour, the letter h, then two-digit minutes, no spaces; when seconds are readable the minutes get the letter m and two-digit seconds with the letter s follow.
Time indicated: 10h11
